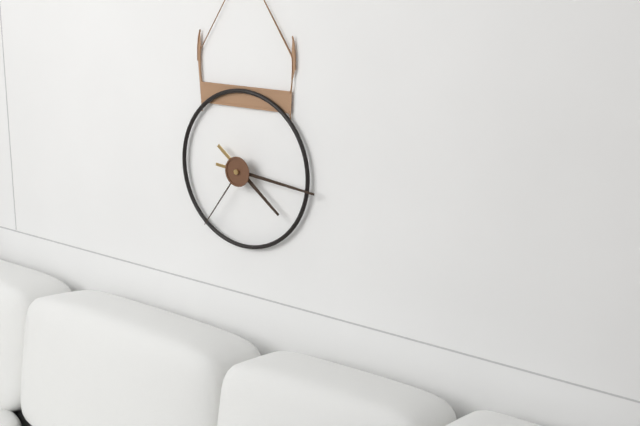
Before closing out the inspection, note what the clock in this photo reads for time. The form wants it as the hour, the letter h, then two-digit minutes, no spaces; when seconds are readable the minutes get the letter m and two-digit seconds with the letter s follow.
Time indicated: 4h16m36s
